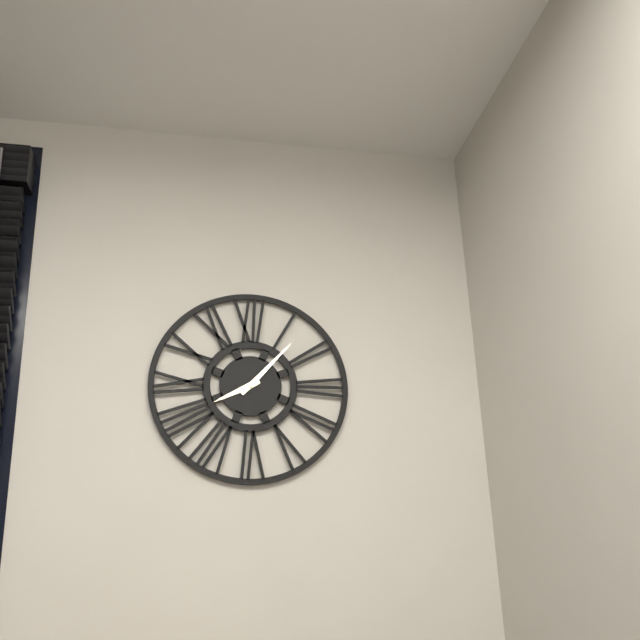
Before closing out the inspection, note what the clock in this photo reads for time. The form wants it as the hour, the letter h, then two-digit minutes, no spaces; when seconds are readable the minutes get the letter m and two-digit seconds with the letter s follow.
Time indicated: 8h07
